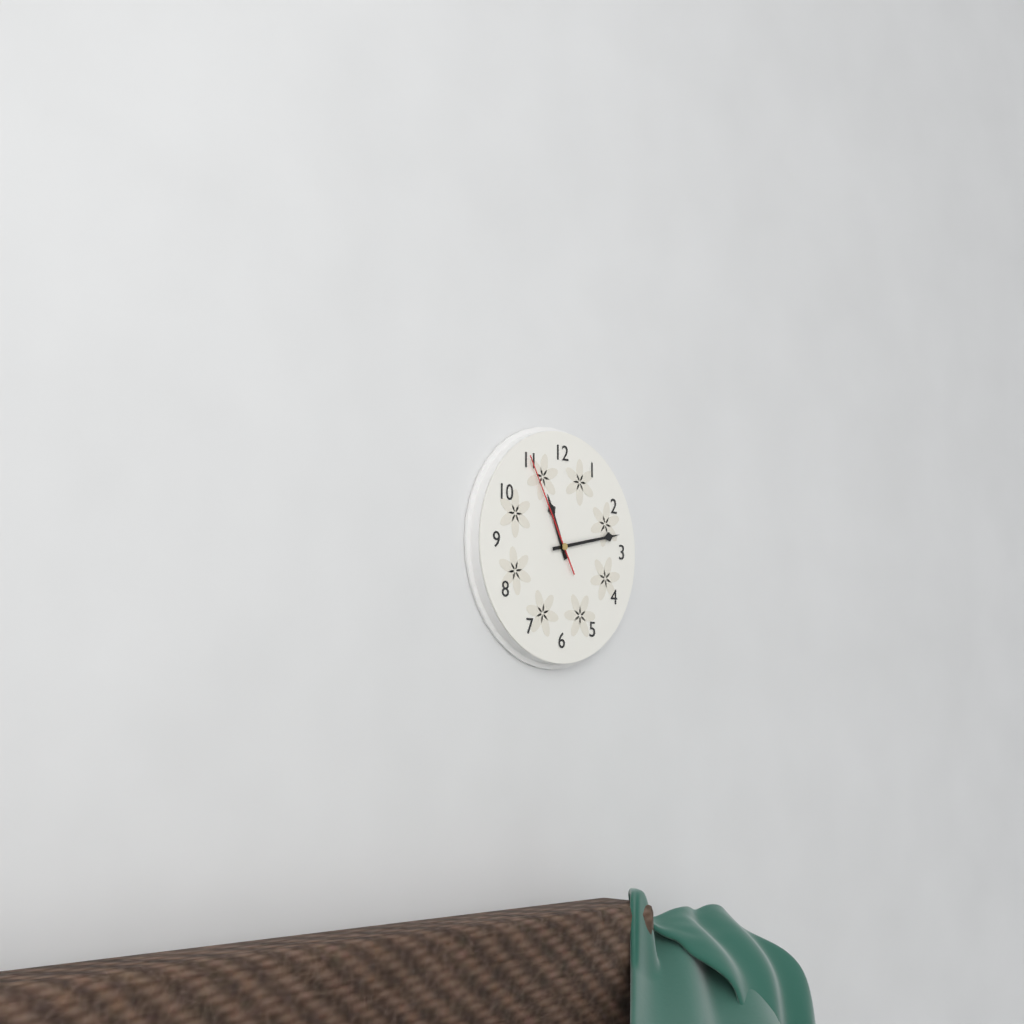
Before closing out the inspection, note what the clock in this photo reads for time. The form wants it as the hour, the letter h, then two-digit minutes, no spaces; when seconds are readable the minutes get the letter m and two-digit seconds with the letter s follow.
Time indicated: 11h13m55s
